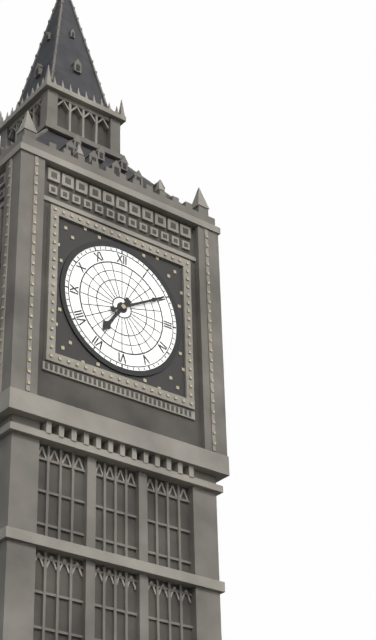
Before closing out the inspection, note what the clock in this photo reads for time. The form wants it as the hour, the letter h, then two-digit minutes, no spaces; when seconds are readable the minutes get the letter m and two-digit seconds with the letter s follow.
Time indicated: 7h10
